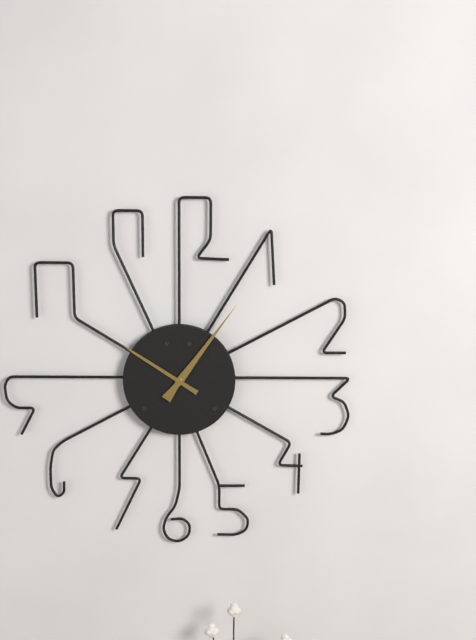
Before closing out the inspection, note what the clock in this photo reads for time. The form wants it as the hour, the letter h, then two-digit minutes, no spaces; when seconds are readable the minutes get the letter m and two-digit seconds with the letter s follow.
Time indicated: 10h06
